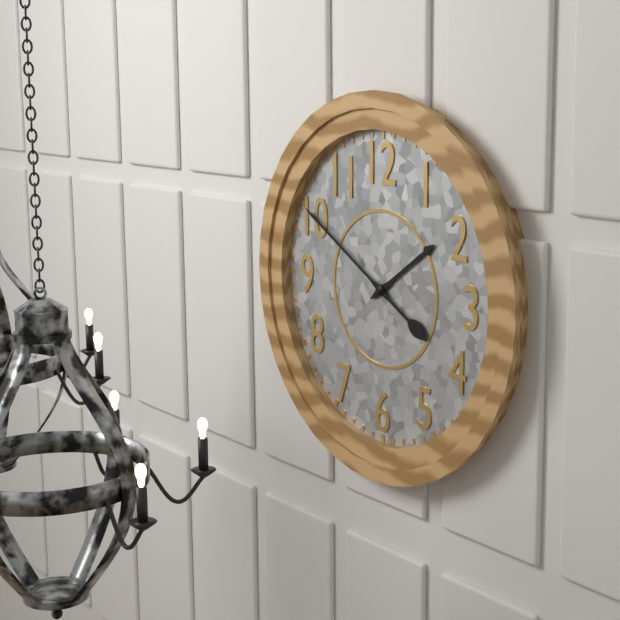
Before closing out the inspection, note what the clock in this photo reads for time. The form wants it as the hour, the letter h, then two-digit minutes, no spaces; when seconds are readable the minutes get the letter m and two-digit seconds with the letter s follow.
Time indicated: 1h50
